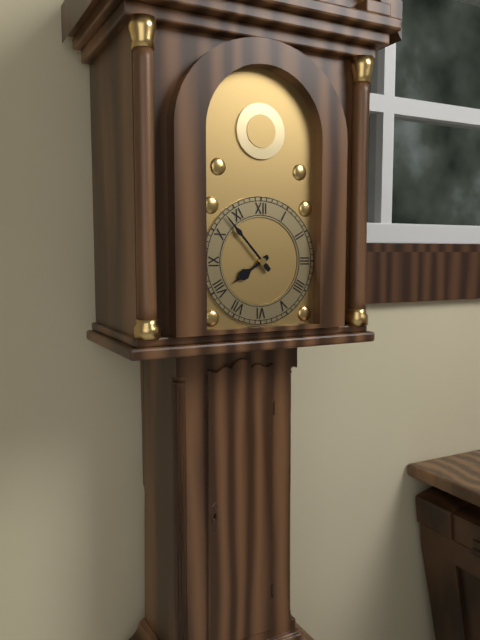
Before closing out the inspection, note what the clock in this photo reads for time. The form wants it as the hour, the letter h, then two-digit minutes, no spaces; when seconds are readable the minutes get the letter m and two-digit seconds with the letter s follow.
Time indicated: 7h53
